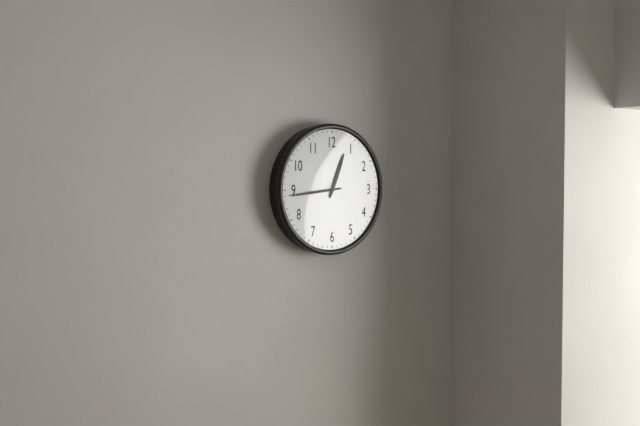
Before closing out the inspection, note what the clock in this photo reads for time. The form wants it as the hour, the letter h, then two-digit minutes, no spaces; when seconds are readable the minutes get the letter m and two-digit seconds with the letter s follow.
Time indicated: 12h44
